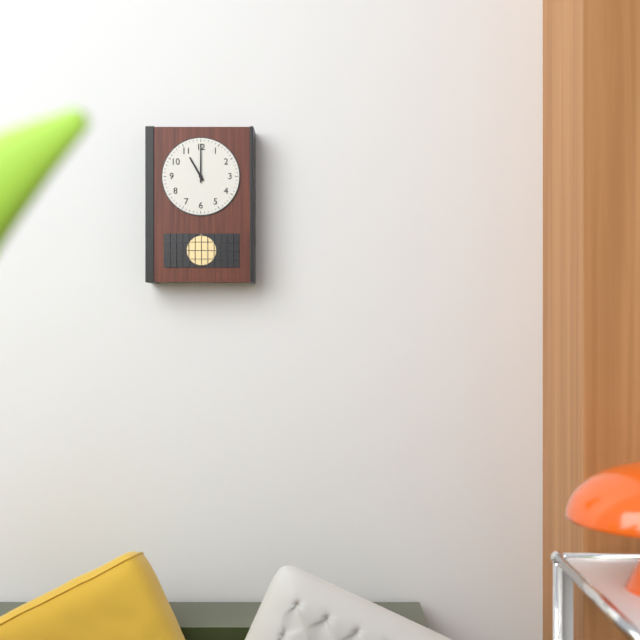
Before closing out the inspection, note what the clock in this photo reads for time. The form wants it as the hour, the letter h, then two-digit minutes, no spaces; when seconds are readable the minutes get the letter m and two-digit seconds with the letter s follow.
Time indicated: 11h00
